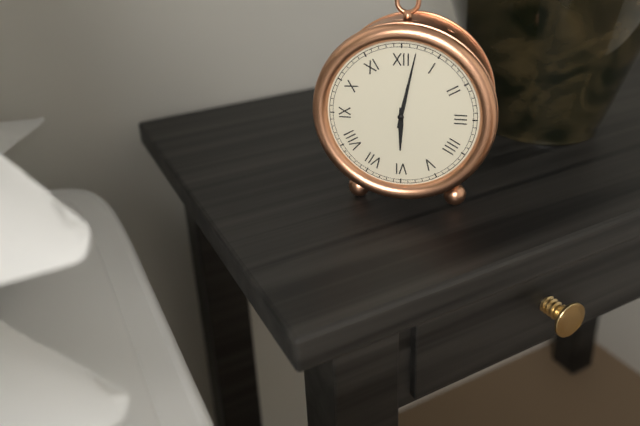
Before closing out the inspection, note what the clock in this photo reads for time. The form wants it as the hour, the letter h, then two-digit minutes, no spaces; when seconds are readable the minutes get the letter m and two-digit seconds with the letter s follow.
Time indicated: 6h02
